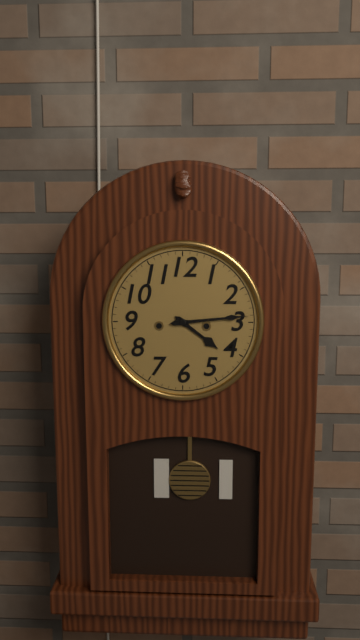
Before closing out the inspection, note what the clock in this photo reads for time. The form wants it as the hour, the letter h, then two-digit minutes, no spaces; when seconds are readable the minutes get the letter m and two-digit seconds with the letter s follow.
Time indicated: 4h14
